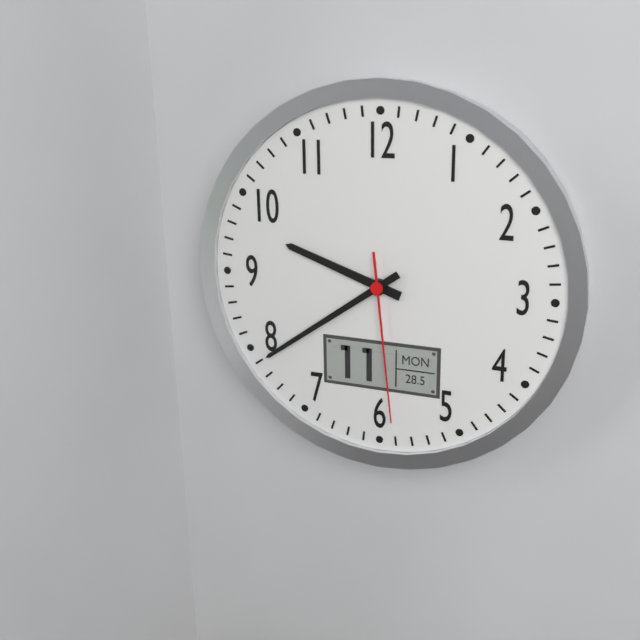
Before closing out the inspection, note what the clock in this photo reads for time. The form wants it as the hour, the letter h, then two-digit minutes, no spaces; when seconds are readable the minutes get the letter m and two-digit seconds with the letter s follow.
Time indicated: 9h39m29s
